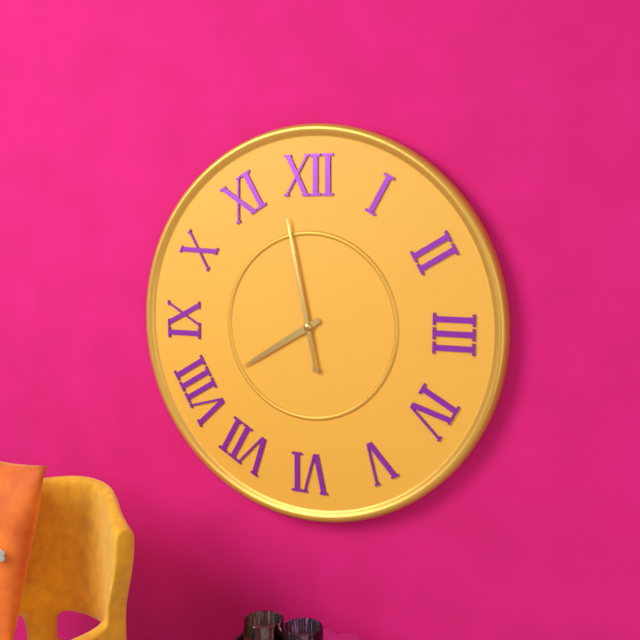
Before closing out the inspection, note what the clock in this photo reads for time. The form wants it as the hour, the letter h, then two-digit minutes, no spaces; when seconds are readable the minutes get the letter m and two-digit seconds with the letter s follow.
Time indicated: 7h58
